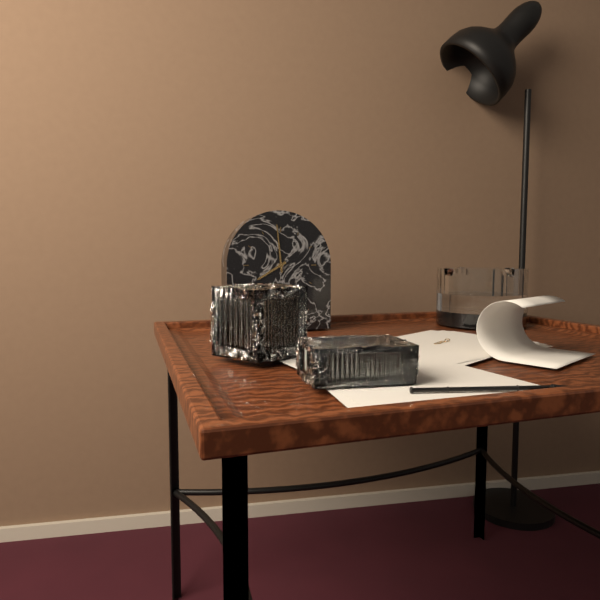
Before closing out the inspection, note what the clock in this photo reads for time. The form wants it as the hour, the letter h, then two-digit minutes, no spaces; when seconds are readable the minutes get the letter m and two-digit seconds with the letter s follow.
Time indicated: 7h59
